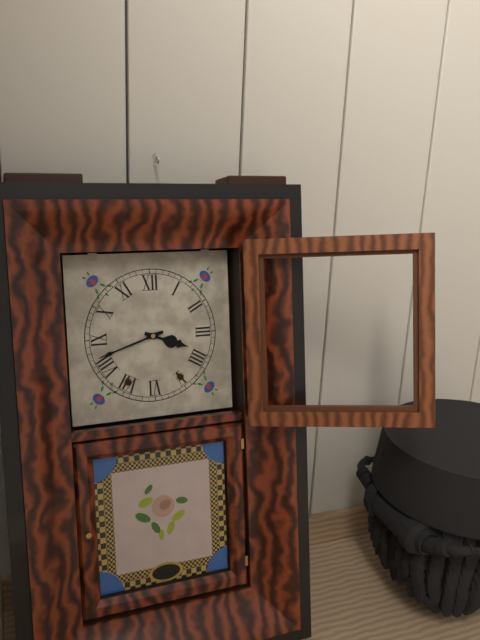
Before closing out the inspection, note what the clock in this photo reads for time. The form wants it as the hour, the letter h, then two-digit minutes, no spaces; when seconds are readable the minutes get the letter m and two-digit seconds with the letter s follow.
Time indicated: 3h42
